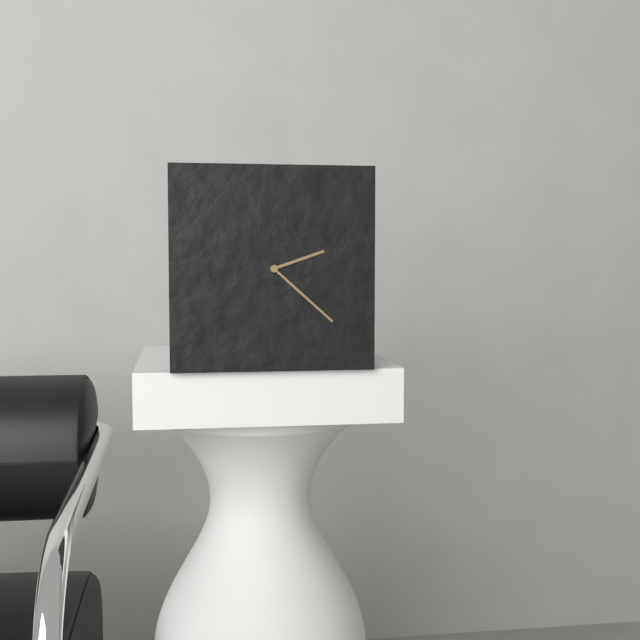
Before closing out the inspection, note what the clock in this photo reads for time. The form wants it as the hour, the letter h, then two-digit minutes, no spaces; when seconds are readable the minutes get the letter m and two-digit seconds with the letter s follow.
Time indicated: 2h22
